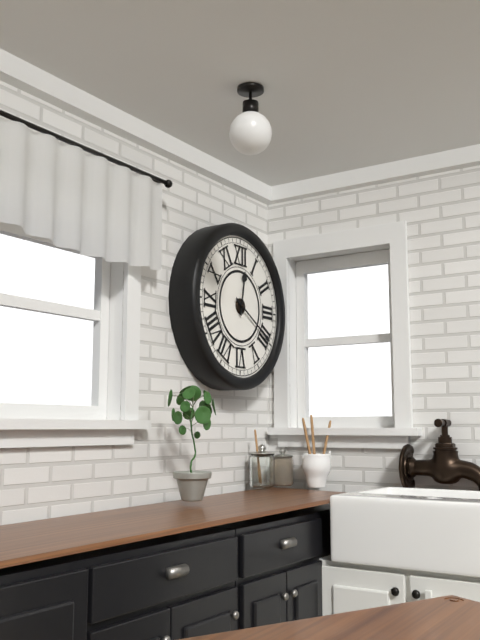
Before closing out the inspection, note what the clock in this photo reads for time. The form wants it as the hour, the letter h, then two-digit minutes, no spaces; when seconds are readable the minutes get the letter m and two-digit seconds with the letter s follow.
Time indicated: 12h20
